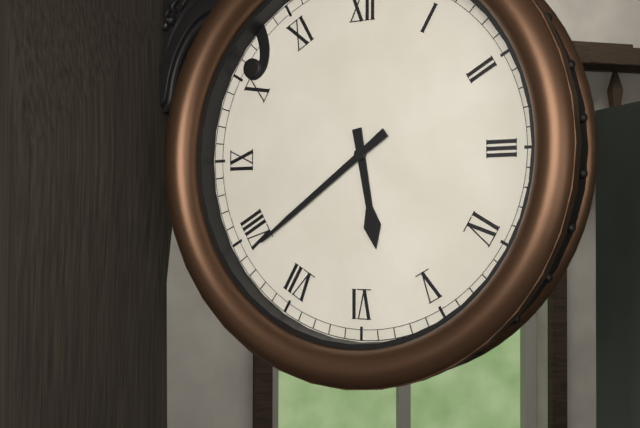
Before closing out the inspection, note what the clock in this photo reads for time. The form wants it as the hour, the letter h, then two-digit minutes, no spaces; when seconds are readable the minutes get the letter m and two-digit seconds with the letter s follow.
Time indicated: 5h39
